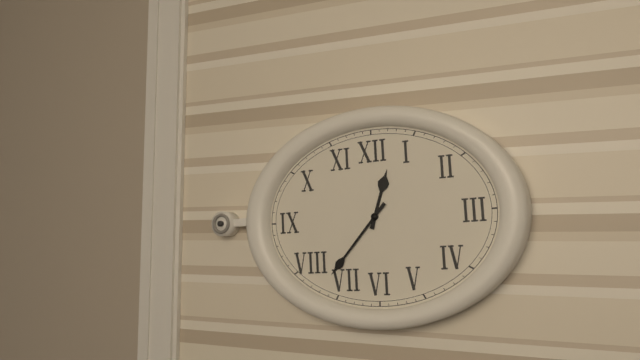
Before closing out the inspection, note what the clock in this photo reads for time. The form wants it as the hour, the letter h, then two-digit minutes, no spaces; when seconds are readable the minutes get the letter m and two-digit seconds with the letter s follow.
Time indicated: 12h37
